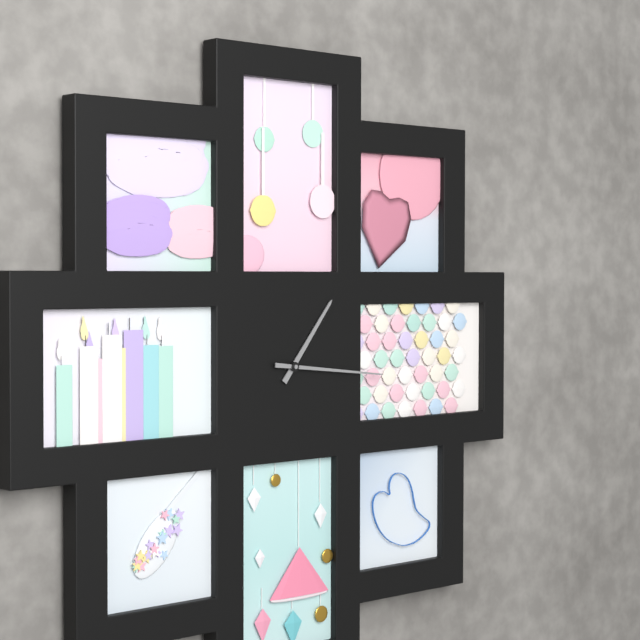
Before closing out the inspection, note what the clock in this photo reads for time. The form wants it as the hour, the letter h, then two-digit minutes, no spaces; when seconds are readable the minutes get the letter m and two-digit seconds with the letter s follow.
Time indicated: 1h16
